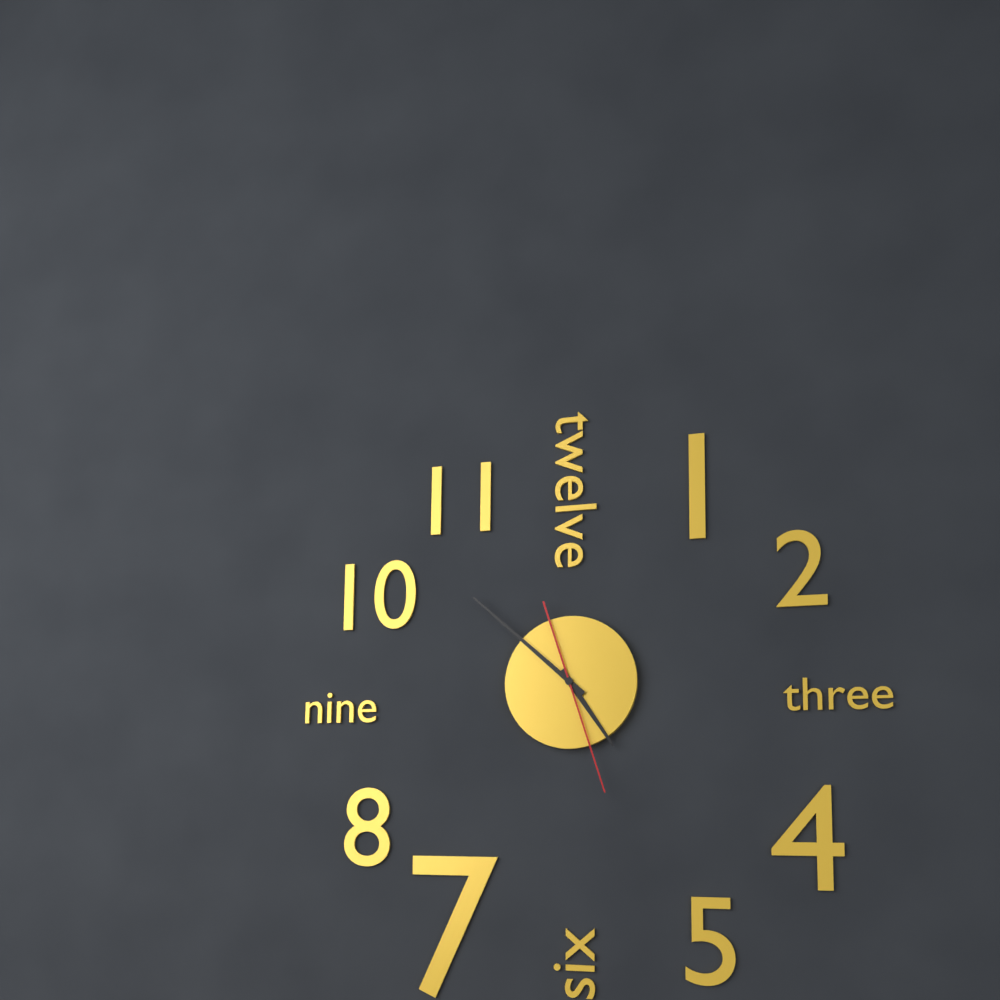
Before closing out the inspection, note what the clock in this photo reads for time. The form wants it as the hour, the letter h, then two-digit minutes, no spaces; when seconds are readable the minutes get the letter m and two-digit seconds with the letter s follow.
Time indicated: 4h52m27s
